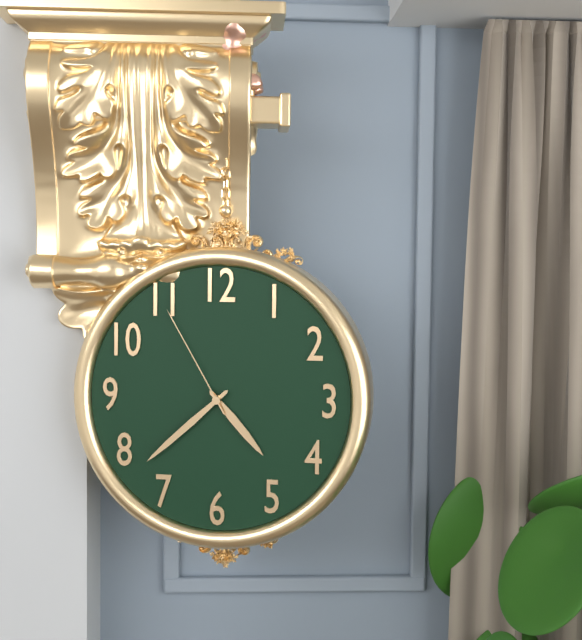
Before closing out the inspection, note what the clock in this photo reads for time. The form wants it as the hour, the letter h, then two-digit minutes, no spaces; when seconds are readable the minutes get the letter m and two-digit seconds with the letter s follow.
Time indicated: 4h38m55s
